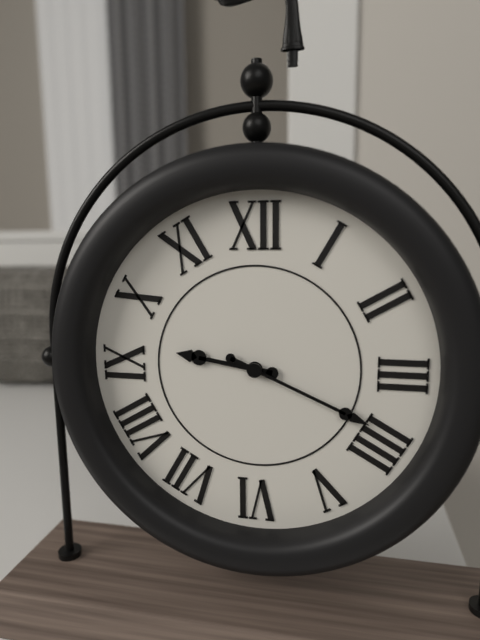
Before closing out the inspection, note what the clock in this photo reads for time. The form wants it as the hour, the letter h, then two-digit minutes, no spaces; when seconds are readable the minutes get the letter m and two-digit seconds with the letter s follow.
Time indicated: 9h19
